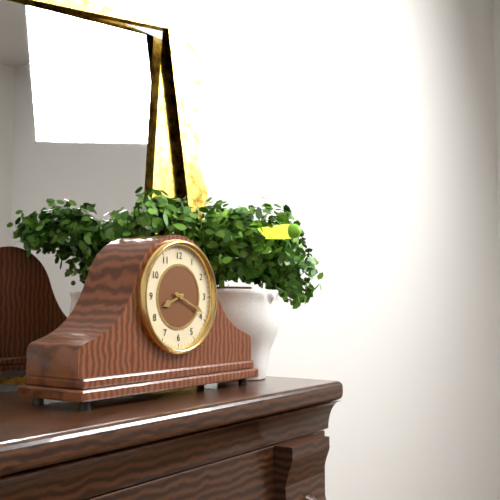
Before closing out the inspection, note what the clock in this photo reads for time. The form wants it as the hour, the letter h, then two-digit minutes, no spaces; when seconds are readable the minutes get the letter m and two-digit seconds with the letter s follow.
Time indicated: 8h19
